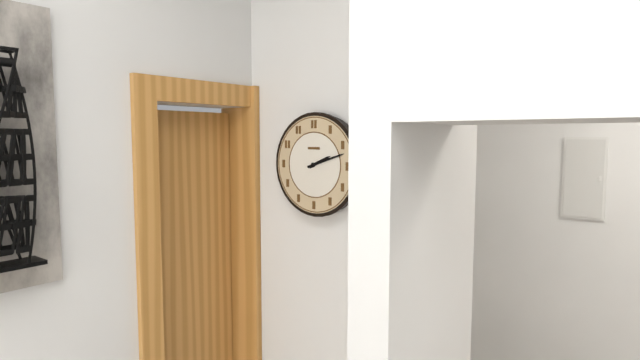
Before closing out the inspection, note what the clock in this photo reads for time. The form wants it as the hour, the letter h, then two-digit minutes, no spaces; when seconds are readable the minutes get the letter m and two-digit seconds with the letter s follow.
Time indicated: 2h12
